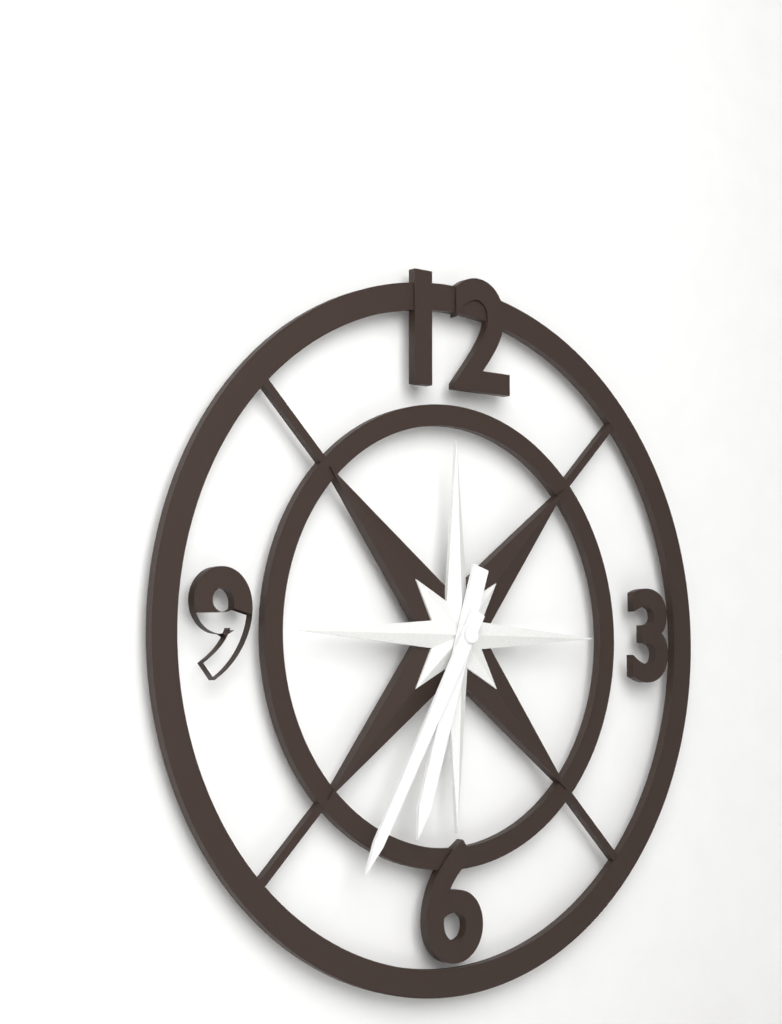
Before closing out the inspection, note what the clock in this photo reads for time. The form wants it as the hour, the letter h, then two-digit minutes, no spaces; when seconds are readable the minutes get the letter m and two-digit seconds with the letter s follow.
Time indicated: 6h35
